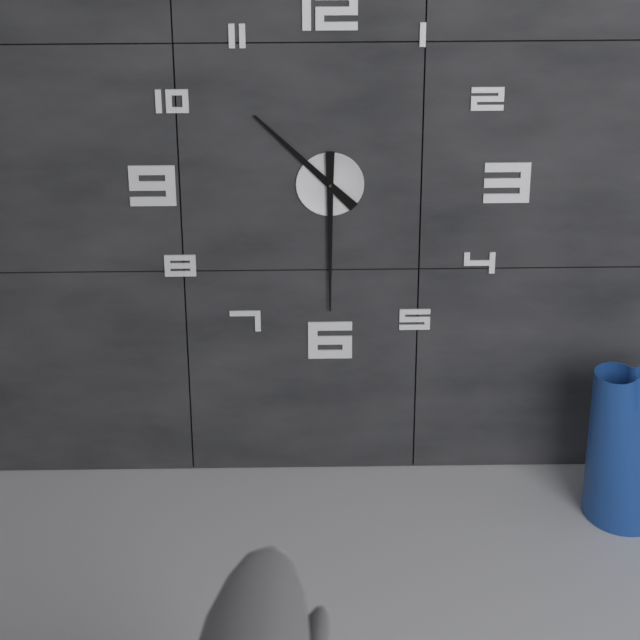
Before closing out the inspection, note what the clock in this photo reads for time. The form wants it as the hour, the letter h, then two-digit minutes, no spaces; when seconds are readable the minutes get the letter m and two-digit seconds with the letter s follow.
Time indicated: 10h30
